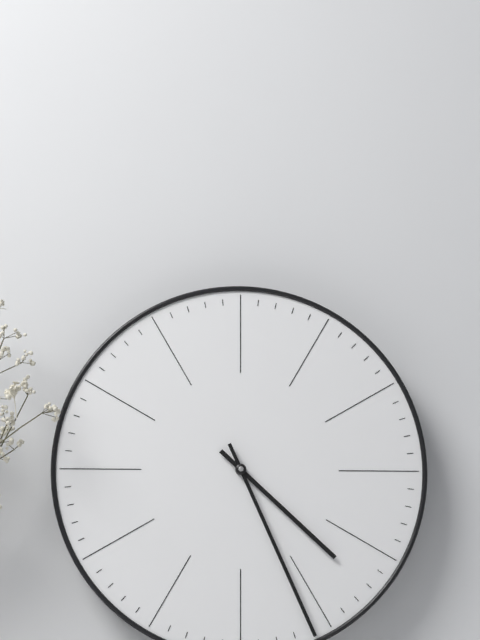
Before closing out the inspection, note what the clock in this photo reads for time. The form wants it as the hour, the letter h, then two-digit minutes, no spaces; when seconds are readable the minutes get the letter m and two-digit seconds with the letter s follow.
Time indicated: 4h26
